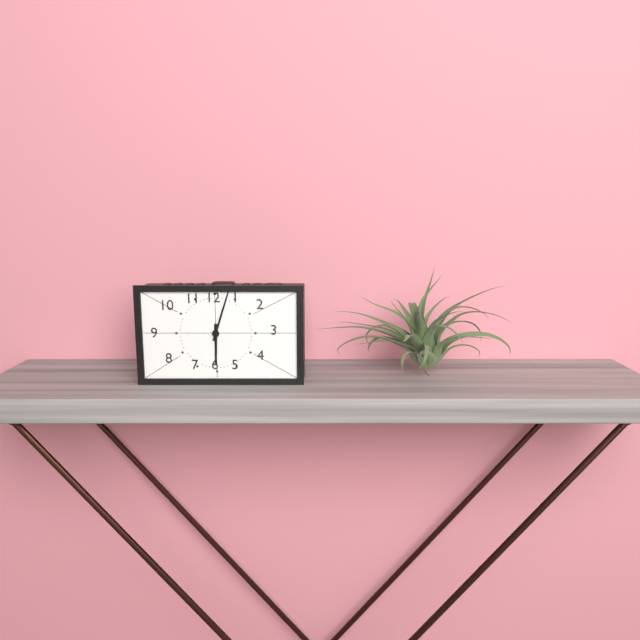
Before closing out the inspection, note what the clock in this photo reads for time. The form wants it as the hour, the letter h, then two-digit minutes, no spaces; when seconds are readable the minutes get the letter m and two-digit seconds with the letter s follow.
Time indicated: 6h03
